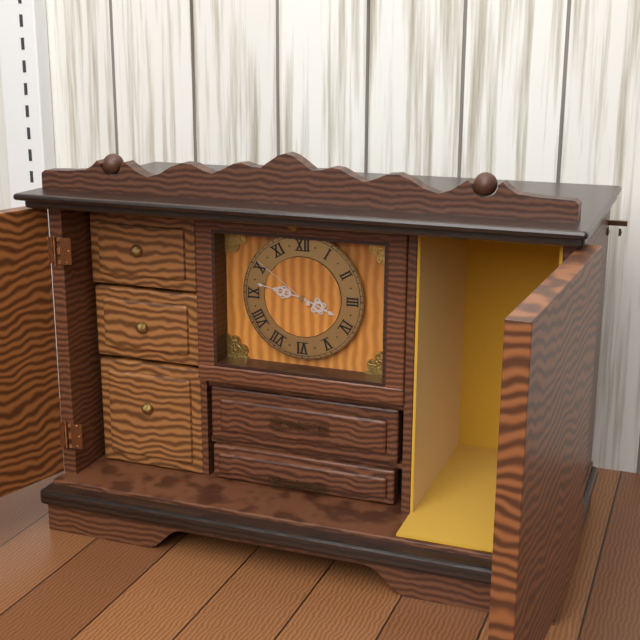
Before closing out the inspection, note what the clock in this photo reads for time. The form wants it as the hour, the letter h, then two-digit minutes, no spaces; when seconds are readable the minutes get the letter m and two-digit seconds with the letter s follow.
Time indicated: 3h47m51s
